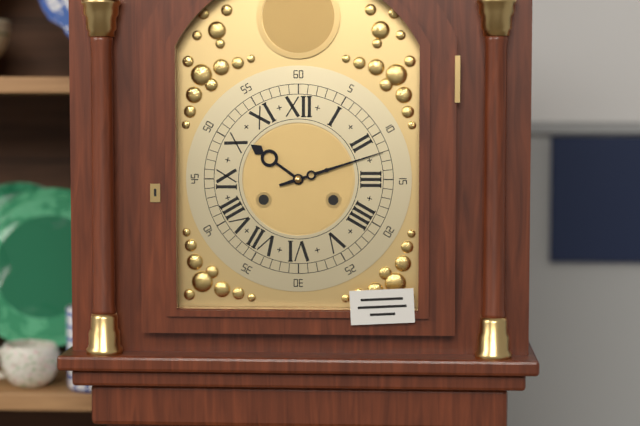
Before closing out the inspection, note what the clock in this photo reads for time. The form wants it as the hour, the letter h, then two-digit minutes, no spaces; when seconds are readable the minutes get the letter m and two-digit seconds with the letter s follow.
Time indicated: 10h12
